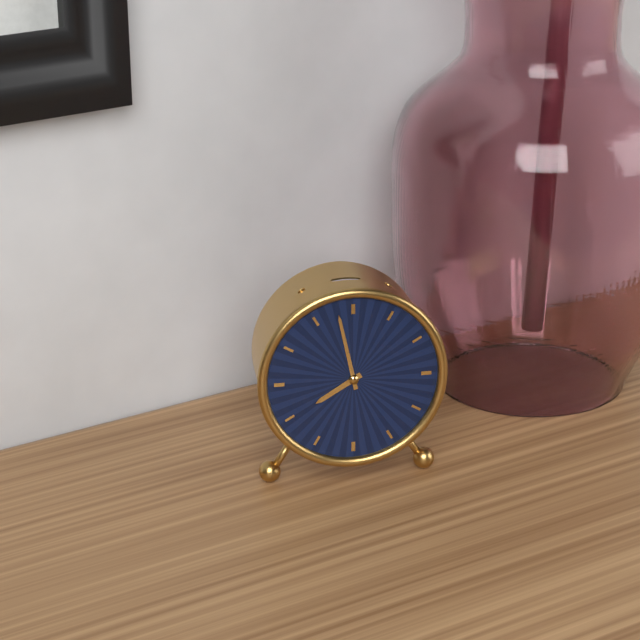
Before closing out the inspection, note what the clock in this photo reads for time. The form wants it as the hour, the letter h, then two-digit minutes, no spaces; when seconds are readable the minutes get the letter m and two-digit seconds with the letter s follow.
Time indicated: 7h58
